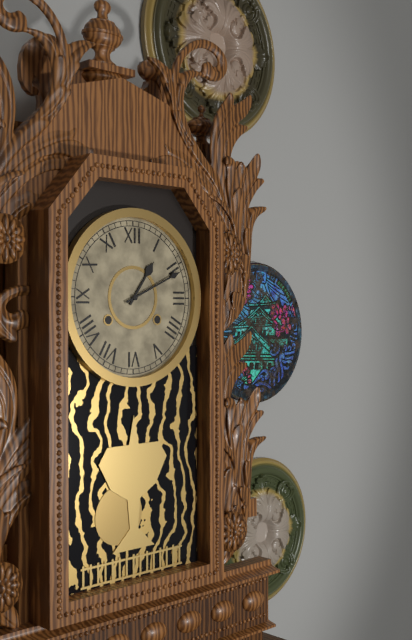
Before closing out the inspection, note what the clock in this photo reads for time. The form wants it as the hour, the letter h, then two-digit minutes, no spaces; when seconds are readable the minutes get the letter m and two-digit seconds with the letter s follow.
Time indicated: 1h11
